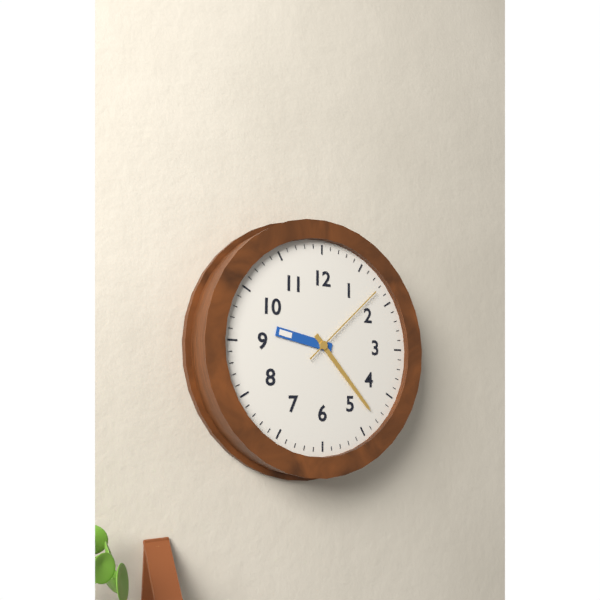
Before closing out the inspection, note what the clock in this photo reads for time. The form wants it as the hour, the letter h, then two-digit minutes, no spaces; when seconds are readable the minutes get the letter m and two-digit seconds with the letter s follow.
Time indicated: 9h23m08s
